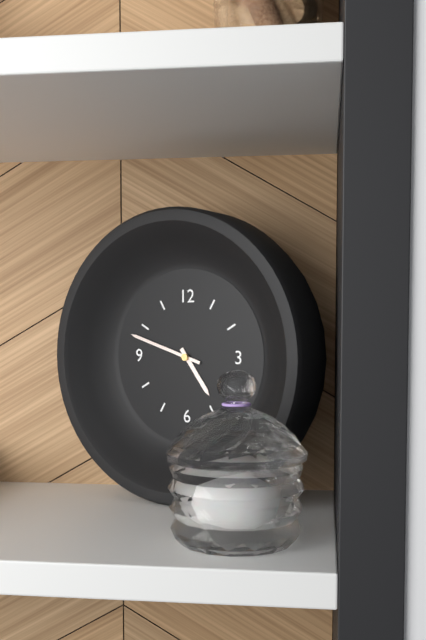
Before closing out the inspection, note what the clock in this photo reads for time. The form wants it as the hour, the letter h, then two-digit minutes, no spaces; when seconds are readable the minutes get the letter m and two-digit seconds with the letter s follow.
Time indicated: 4h48
